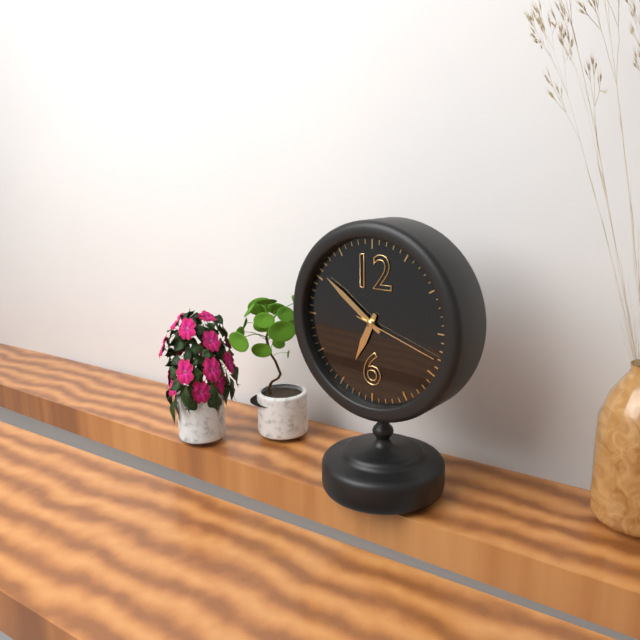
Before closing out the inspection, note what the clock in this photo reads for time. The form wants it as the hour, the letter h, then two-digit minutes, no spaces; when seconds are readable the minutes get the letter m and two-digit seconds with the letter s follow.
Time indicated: 6h51m18s
